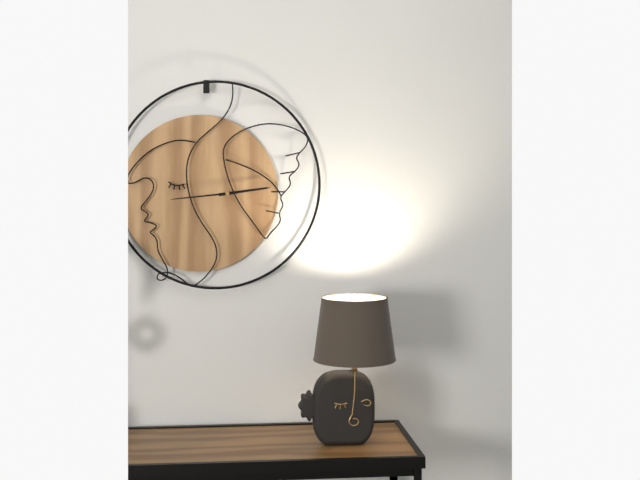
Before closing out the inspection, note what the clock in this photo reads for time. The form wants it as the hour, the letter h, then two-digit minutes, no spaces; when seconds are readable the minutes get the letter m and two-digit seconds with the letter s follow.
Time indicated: 2h44
